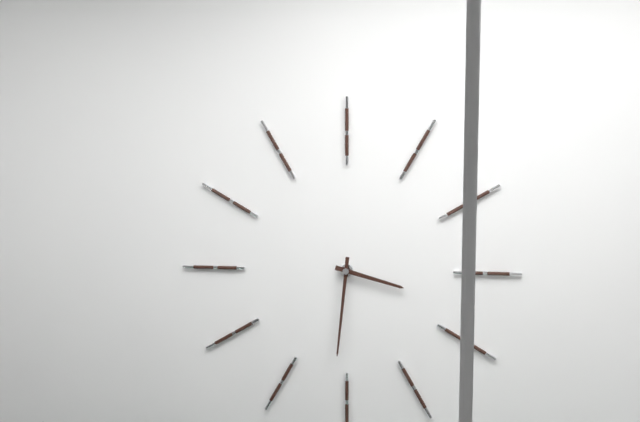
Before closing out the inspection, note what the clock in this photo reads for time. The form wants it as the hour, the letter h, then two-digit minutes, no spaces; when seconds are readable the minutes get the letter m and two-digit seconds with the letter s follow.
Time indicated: 3h31
